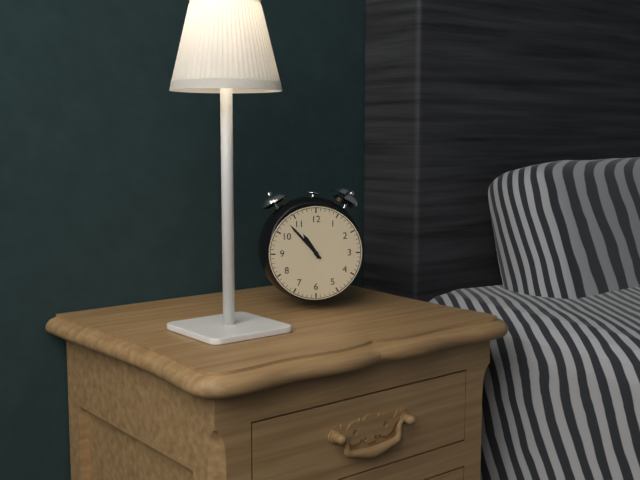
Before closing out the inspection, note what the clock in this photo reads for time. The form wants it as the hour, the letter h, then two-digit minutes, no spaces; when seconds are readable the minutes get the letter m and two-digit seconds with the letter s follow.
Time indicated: 10h53
